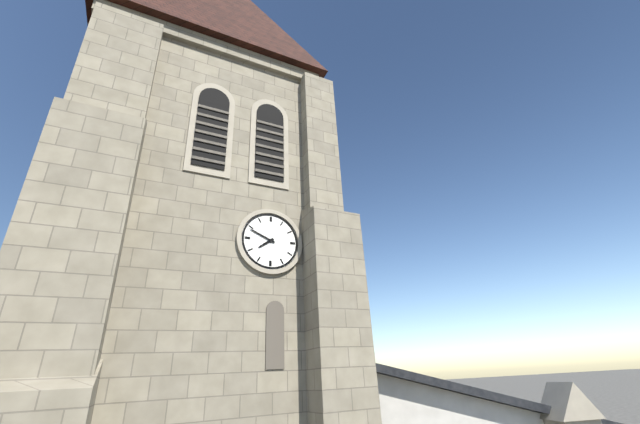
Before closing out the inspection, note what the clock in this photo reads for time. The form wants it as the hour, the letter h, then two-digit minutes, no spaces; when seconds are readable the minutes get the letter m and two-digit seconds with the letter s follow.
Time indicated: 7h49
